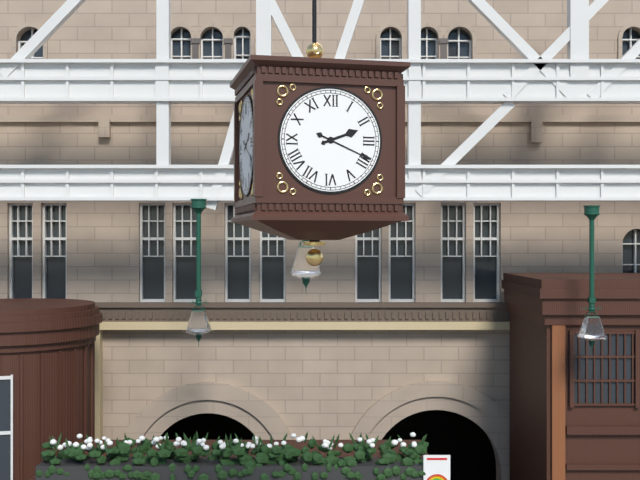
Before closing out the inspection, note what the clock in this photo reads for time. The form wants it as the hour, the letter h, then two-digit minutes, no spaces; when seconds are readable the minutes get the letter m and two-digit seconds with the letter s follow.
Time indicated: 2h19
